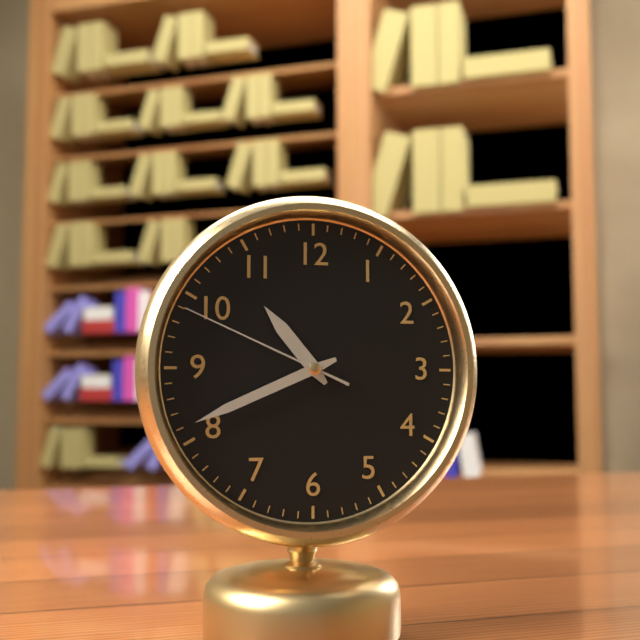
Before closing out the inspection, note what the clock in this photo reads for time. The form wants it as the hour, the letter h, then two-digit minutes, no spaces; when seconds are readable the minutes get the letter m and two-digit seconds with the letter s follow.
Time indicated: 10h41m49s
